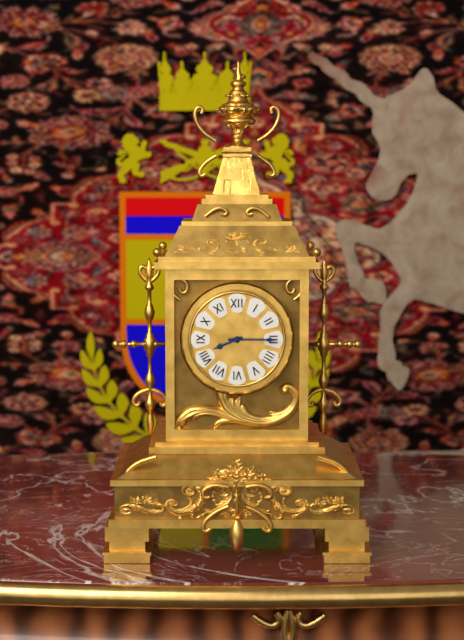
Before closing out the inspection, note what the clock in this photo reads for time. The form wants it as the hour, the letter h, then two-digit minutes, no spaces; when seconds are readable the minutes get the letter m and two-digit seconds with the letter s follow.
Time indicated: 8h15
